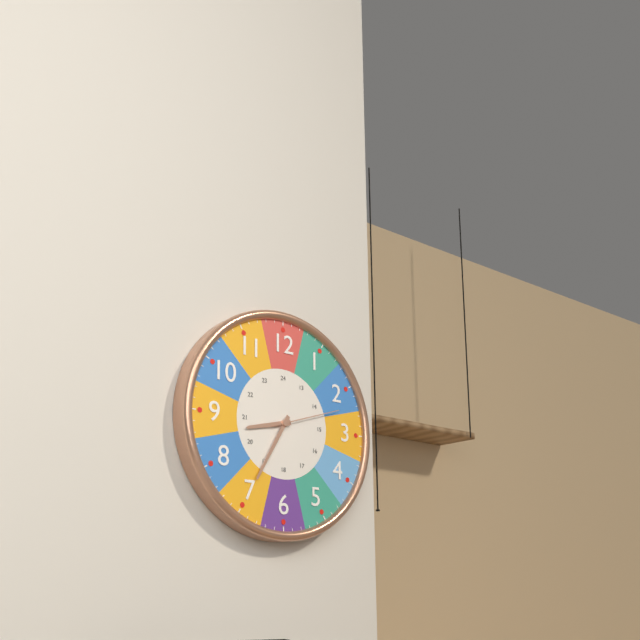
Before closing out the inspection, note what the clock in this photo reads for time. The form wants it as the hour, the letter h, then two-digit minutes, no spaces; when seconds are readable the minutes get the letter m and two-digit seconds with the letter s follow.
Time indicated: 8h35m12s
